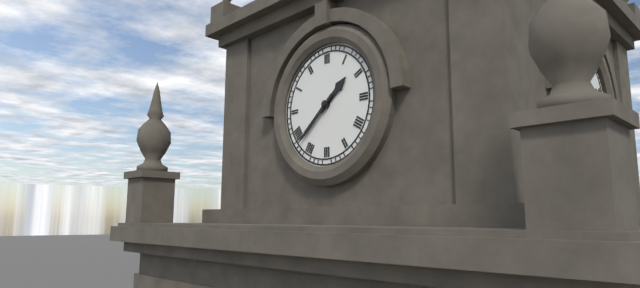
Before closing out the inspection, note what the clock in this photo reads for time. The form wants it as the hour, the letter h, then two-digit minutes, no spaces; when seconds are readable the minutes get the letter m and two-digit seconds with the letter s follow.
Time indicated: 1h38
